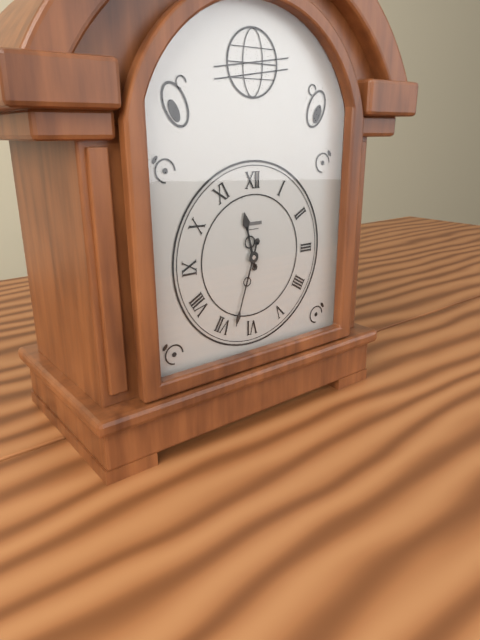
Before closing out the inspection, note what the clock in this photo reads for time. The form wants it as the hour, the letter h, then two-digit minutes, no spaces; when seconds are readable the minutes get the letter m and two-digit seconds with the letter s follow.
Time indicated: 11h33
